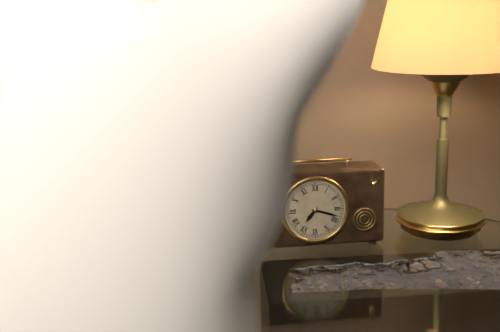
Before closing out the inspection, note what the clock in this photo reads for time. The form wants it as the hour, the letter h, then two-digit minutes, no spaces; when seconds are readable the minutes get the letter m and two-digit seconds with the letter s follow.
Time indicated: 7h18
